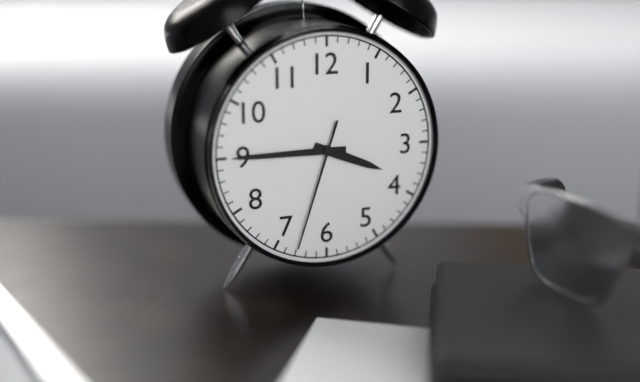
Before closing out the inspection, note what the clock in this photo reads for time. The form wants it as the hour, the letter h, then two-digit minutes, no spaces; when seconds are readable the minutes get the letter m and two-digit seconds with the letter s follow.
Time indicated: 3h45m33s
